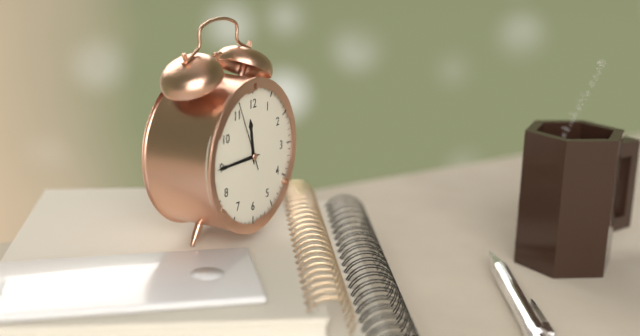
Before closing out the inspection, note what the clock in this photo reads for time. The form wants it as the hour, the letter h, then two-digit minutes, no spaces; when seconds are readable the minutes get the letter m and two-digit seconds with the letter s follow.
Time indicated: 11h45m56s
